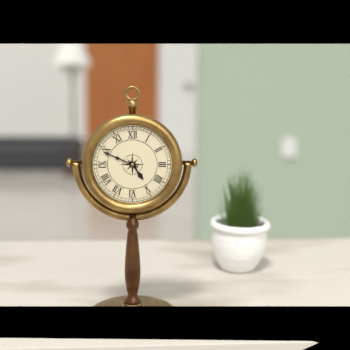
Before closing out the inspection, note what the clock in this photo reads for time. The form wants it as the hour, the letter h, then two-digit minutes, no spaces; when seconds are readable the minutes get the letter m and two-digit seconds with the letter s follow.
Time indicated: 4h49
